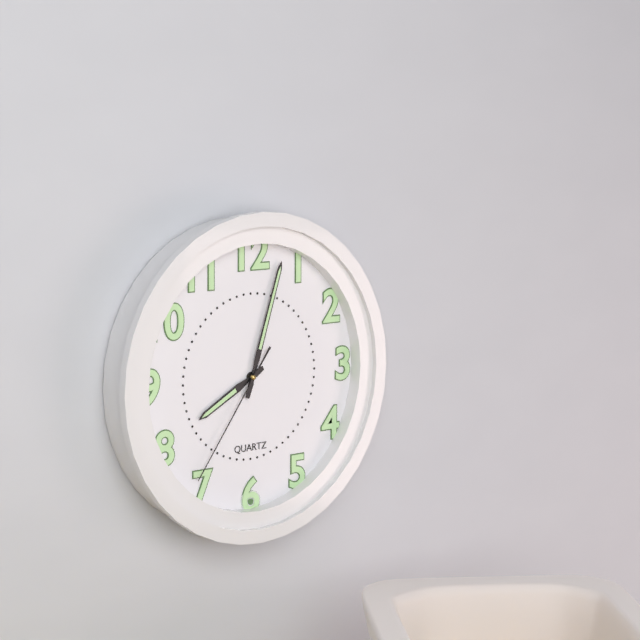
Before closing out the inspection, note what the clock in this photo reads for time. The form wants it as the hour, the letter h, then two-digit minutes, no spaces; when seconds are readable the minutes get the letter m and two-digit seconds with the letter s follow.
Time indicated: 8h03m36s
